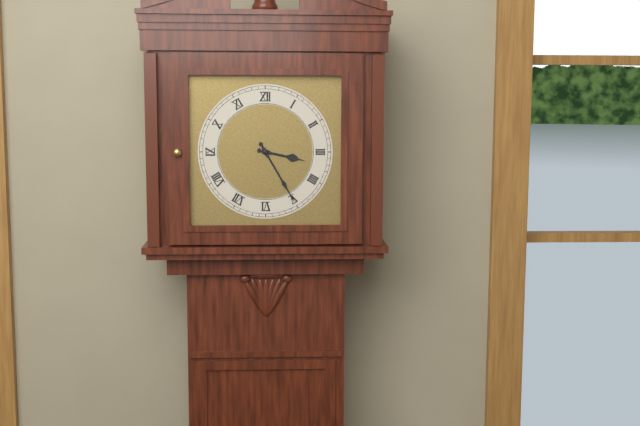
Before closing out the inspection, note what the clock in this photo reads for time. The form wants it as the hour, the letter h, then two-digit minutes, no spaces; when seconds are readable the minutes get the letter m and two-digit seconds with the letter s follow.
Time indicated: 3h25
